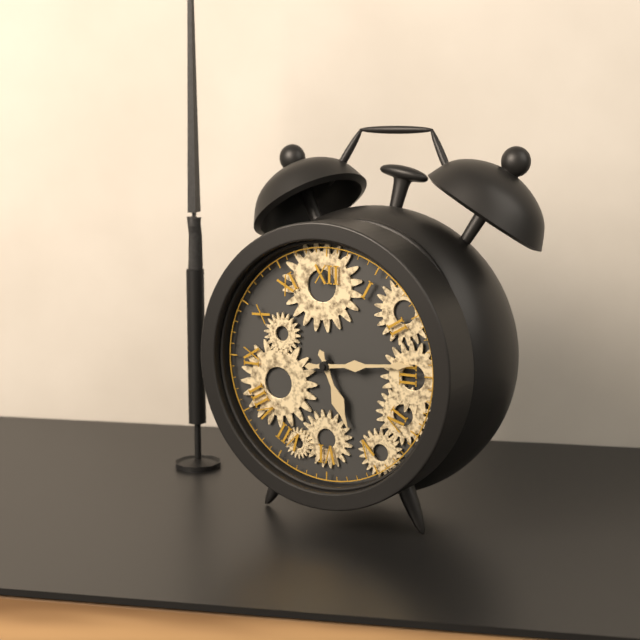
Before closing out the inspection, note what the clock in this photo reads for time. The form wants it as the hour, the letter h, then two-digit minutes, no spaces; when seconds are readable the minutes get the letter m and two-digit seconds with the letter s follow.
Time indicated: 5h14
